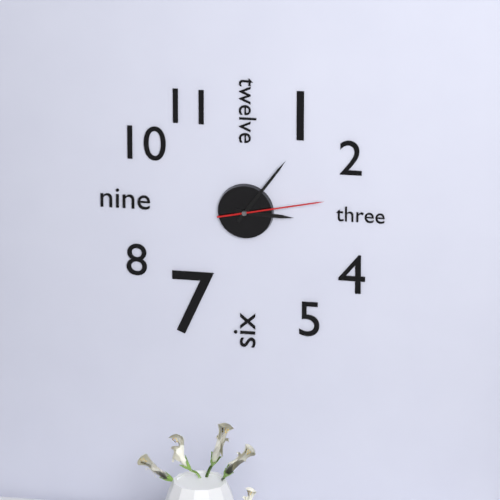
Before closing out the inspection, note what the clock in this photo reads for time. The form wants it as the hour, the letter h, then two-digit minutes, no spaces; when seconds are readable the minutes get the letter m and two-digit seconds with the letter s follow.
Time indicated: 3h06m13s
